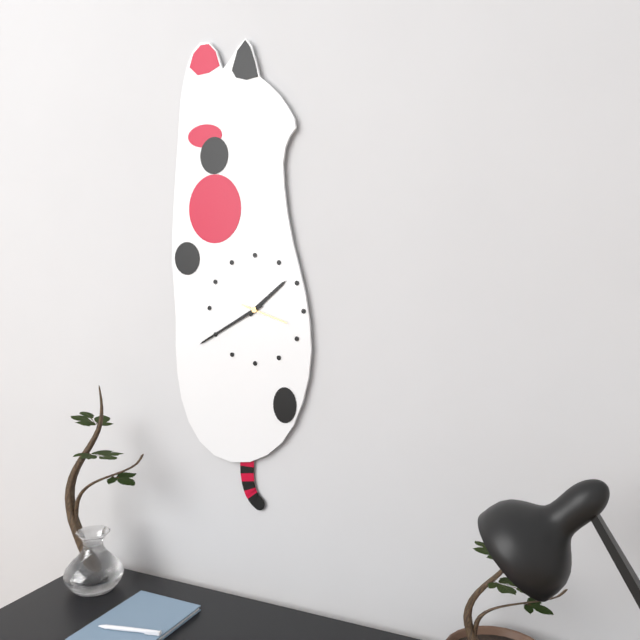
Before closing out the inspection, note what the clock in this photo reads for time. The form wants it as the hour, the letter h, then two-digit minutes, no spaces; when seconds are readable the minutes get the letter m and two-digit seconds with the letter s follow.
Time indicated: 1h40
